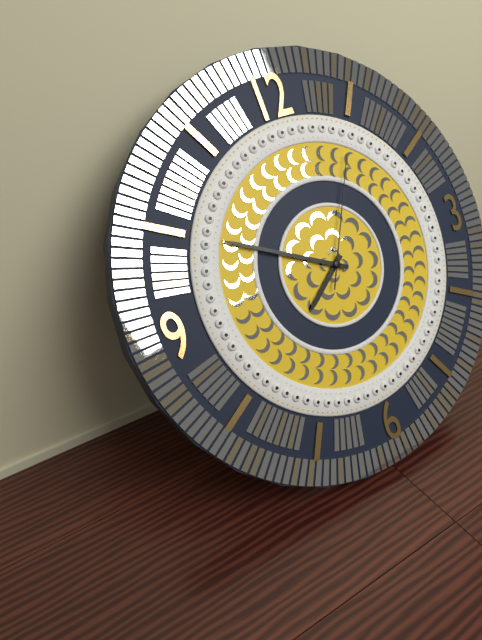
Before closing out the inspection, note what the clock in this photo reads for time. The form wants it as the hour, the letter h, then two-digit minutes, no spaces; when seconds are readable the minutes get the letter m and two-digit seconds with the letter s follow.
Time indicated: 7h50m05s
